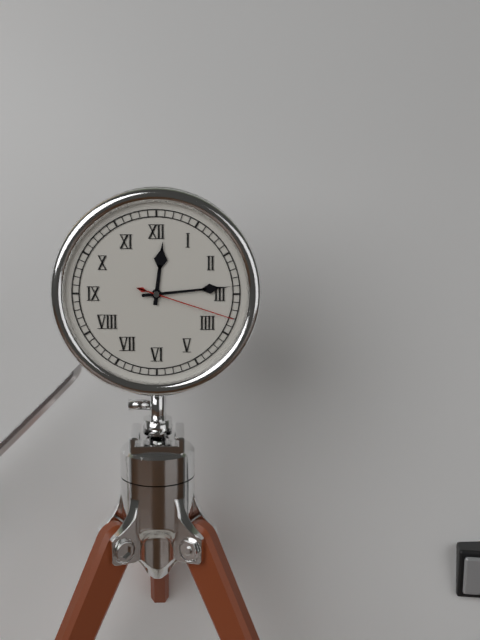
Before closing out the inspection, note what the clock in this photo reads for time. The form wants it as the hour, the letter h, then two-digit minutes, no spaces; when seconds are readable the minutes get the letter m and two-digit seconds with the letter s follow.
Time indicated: 12h14m18s
